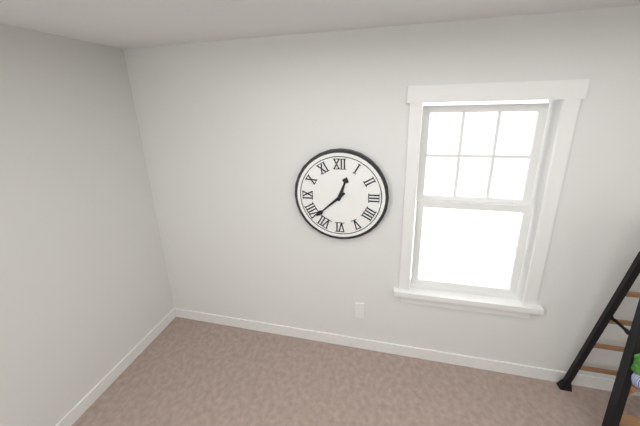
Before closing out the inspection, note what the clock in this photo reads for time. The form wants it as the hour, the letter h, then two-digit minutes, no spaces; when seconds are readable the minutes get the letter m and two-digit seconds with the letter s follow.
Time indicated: 12h38
